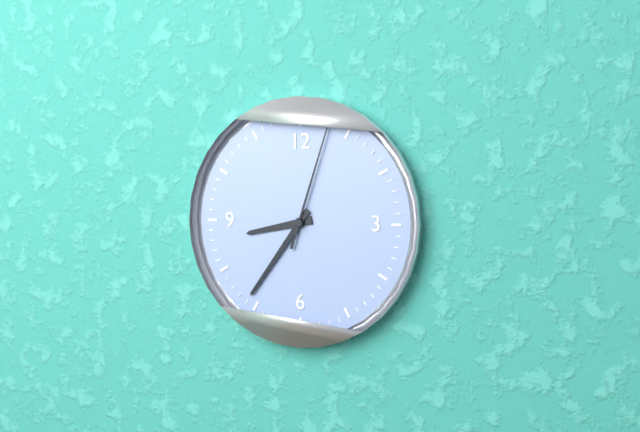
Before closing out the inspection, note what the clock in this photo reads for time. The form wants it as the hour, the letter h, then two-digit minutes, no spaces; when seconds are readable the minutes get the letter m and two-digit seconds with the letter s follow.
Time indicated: 8h36m03s
